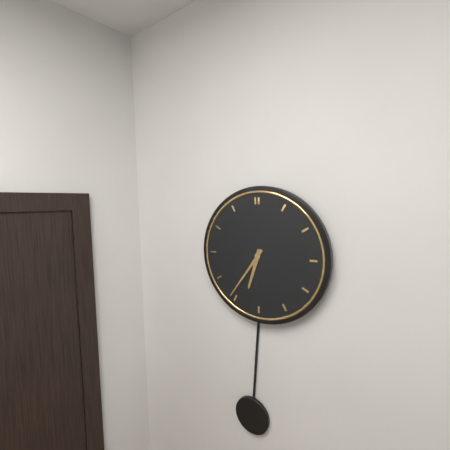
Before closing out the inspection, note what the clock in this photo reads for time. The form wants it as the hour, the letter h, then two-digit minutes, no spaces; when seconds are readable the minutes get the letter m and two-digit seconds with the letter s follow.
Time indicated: 6h36
